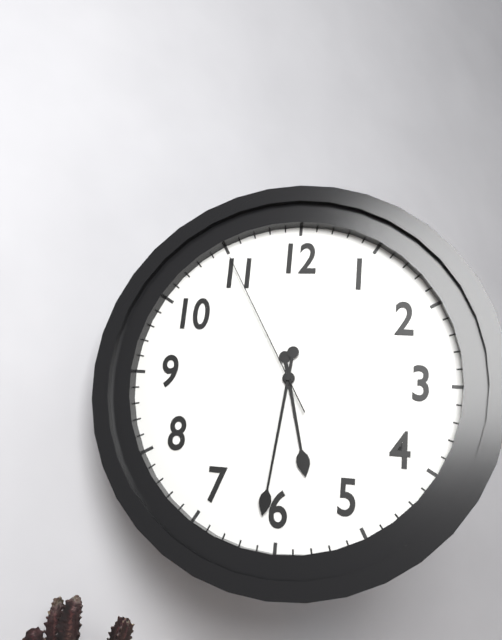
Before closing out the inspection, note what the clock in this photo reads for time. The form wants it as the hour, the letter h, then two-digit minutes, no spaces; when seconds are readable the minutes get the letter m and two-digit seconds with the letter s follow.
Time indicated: 5h31m55s
